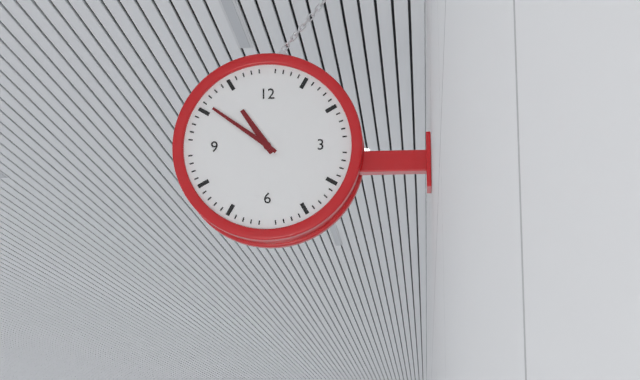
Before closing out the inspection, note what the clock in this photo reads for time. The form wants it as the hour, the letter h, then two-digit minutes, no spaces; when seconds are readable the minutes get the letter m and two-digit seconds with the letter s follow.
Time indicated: 10h51
